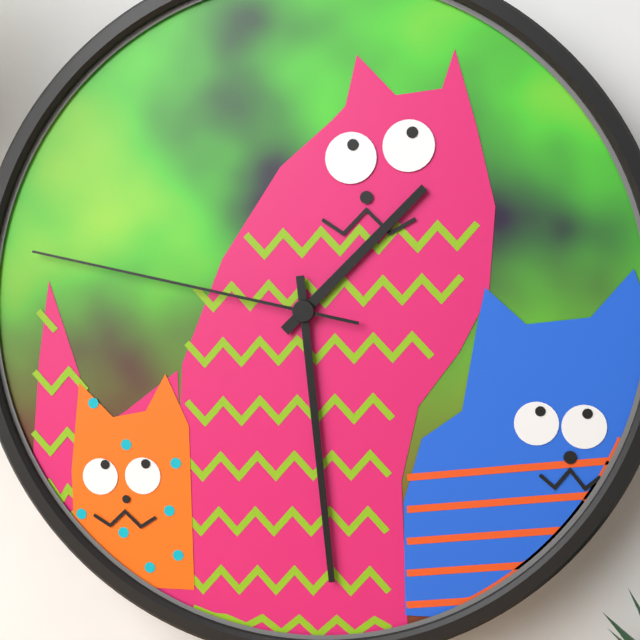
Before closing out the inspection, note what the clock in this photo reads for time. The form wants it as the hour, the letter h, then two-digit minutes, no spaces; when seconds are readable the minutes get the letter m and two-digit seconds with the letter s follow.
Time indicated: 1h29m47s
